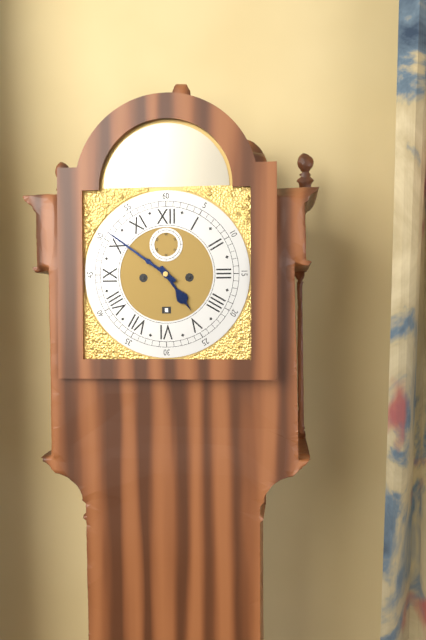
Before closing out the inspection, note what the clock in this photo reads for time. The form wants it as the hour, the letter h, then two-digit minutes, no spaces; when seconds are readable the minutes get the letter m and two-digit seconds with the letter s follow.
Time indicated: 4h51
